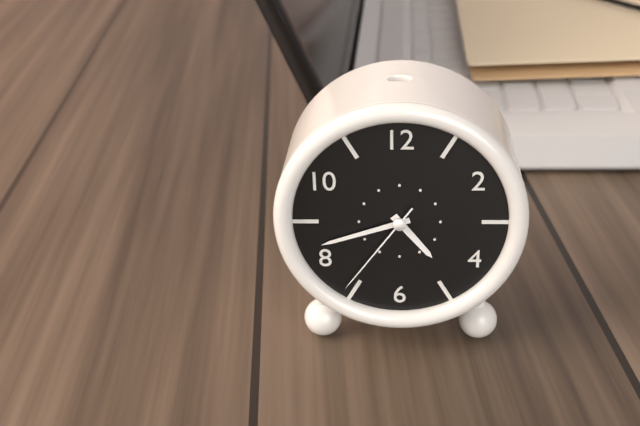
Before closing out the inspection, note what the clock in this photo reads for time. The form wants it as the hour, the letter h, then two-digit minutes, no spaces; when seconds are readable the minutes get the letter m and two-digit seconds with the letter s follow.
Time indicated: 4h42m36s
